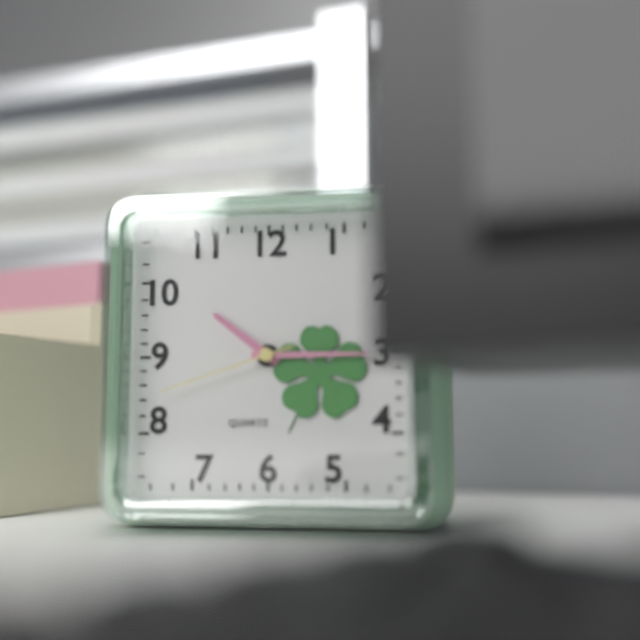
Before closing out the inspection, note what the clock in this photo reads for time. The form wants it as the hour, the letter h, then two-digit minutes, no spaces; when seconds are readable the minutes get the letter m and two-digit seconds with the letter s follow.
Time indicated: 10h15m42s
